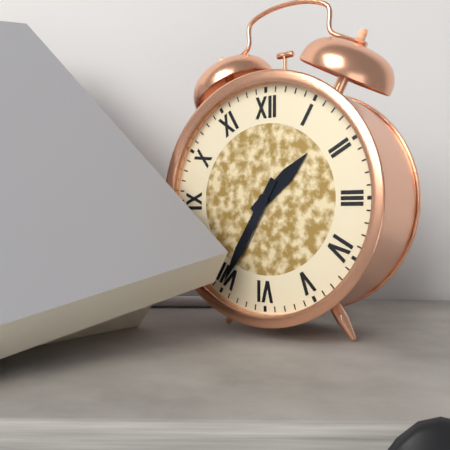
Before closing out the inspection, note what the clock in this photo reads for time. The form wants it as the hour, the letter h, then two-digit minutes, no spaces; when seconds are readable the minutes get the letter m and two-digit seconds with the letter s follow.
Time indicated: 1h35
